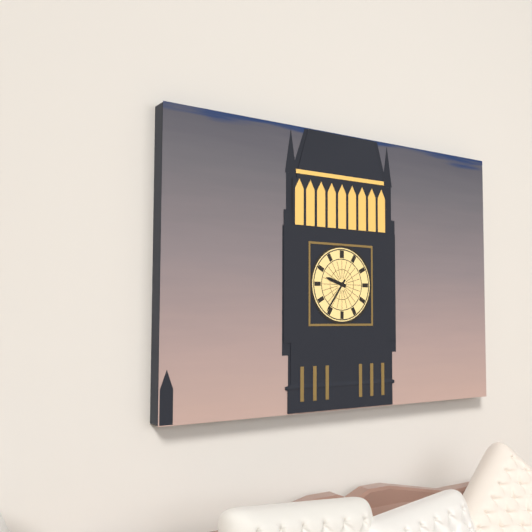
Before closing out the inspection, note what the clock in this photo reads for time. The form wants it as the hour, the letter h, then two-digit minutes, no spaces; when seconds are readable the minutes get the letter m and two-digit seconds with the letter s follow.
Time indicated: 9h36
